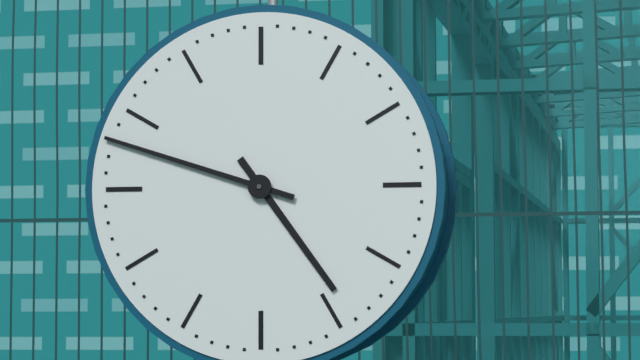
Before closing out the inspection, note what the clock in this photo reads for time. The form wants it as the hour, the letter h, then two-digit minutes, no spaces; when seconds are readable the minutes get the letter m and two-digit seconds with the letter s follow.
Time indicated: 4h48
